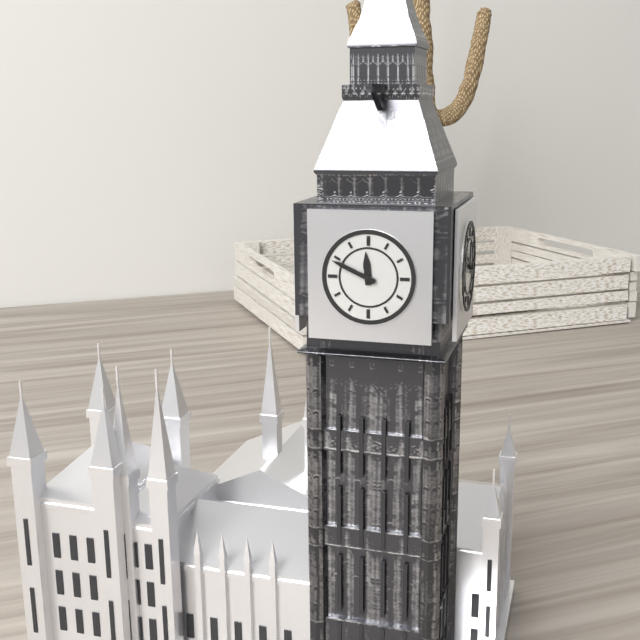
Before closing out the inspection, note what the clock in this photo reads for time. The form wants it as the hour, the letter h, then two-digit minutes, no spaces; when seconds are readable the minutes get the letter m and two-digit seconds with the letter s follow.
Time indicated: 11h49
